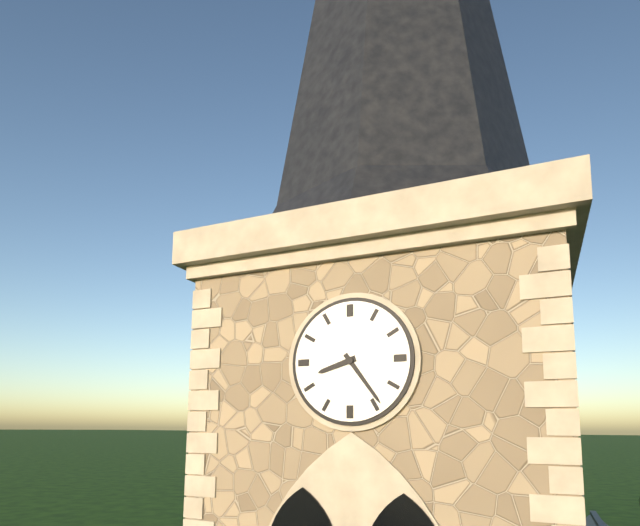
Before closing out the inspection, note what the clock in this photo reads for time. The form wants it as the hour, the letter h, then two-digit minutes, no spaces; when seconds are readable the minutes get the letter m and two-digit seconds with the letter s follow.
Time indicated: 8h24
